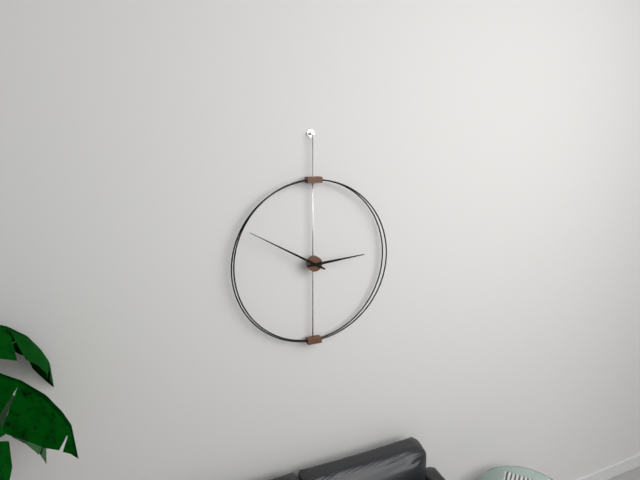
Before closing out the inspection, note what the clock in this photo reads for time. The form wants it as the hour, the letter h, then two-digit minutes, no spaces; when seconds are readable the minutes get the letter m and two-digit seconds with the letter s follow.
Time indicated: 2h50
